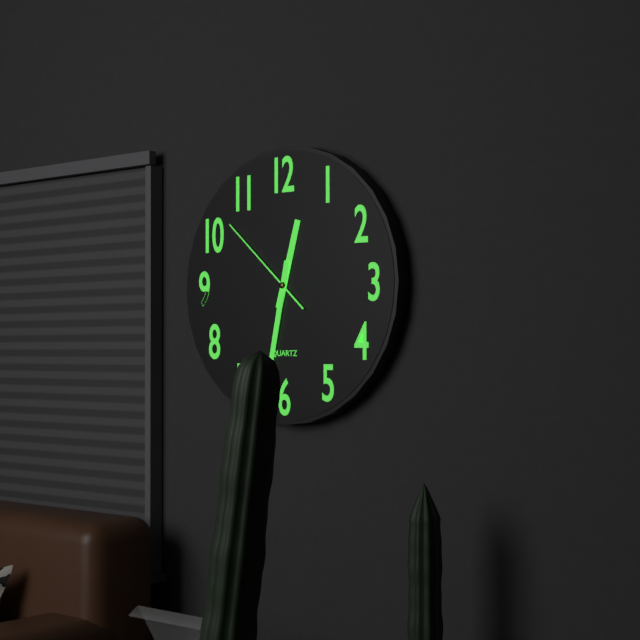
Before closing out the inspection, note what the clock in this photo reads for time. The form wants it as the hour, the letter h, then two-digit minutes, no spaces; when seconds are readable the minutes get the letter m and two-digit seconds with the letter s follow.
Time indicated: 12h32m52s
